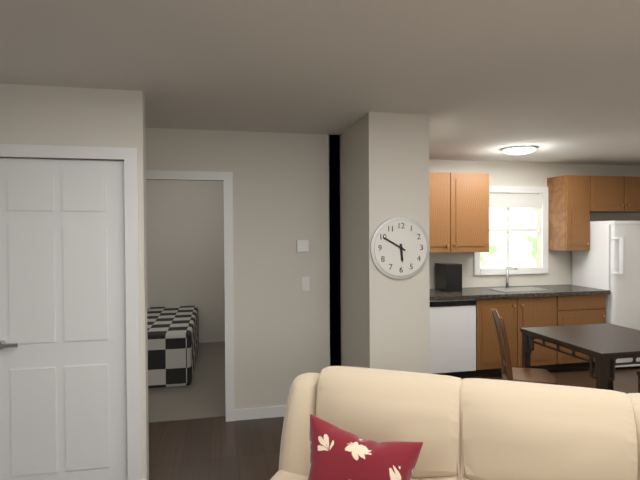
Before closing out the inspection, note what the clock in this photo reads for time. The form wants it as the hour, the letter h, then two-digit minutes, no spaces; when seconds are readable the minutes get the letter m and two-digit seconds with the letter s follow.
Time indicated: 5h50
